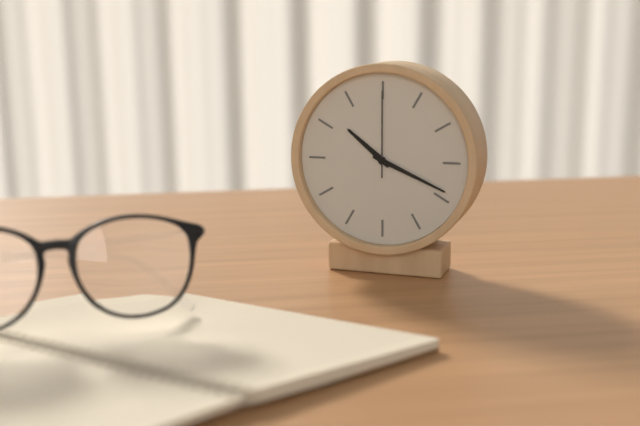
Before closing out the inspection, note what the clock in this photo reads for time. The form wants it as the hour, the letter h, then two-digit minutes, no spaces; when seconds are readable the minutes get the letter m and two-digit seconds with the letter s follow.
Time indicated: 10h19m00s
